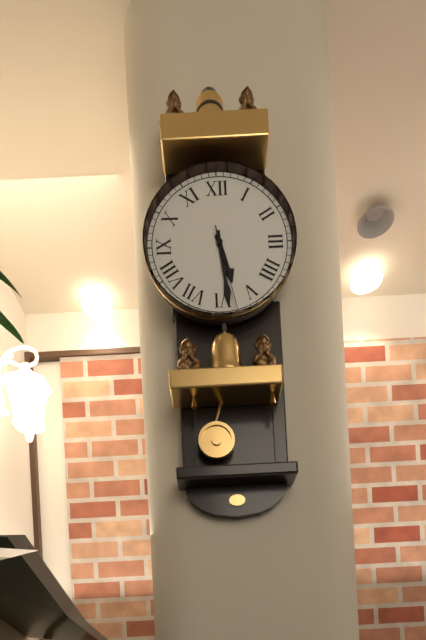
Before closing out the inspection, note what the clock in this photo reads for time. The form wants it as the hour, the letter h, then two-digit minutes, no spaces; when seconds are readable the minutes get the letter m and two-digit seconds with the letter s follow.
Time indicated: 5h29m28s
